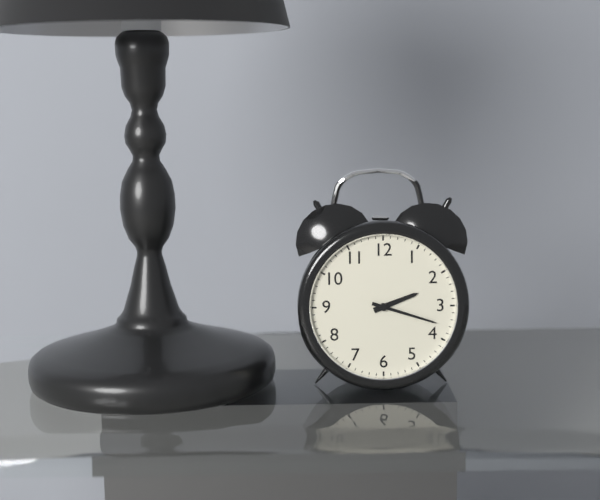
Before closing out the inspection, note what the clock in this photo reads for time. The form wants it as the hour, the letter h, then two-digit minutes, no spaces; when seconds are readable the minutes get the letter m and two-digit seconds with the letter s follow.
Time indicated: 2h18
